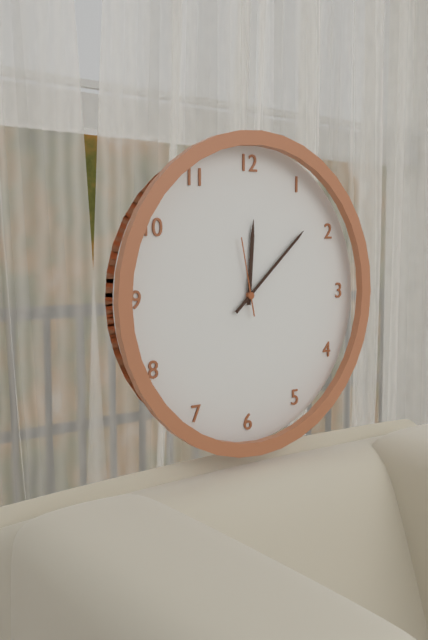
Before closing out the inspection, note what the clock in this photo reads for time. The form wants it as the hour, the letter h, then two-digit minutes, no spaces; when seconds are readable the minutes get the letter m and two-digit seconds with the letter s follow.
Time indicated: 12h08m58s
